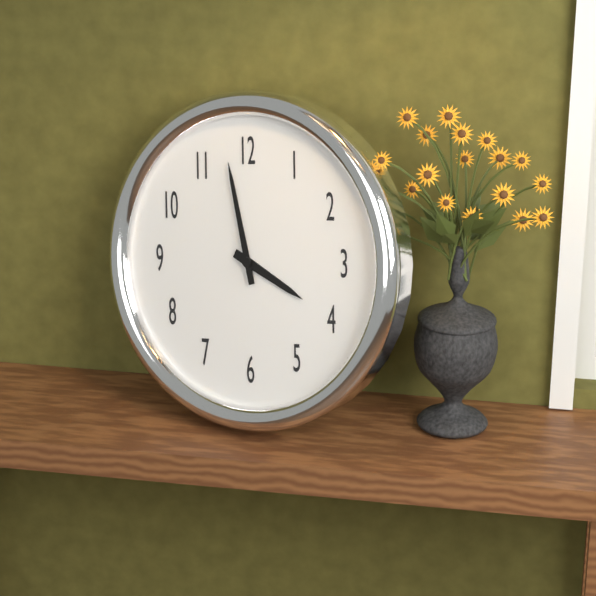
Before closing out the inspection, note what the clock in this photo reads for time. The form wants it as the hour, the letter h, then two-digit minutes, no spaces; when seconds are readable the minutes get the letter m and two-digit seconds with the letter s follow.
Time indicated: 3h58
